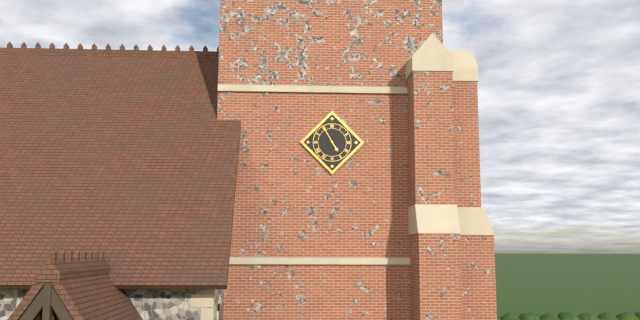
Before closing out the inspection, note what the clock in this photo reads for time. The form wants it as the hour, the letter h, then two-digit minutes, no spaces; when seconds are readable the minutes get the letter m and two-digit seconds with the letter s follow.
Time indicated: 4h55
